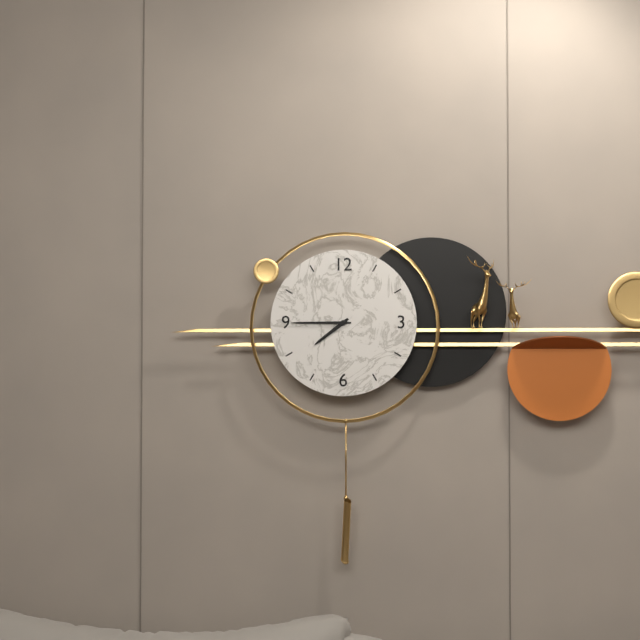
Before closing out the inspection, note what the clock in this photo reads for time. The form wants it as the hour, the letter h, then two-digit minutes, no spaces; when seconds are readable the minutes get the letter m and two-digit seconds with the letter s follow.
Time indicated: 7h45
